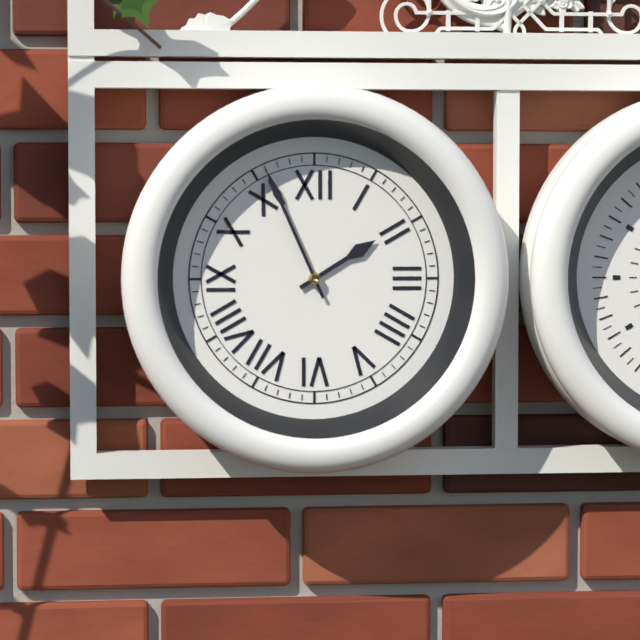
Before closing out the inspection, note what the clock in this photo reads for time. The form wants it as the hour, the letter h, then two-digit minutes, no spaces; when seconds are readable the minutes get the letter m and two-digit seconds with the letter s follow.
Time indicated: 1h56
